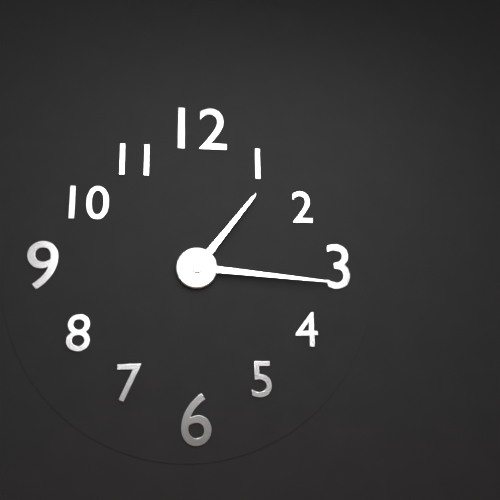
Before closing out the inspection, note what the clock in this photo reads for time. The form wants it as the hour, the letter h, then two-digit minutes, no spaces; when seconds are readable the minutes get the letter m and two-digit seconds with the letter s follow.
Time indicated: 1h16
